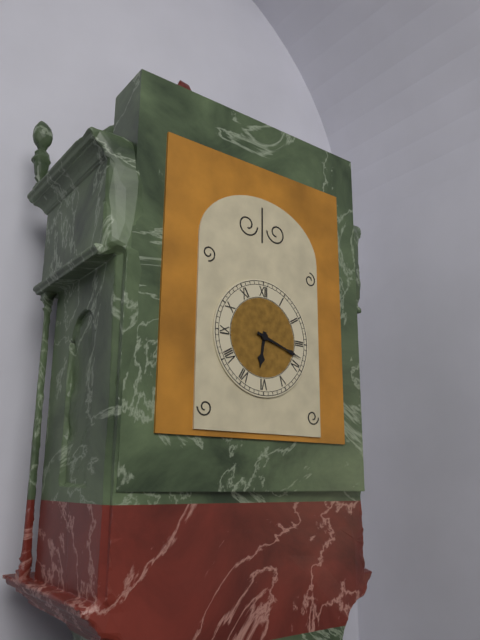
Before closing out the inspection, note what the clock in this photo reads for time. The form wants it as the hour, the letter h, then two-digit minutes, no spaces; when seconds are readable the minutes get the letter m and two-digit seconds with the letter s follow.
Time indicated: 6h18
